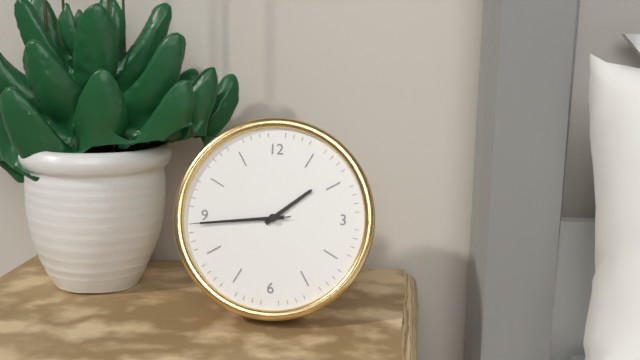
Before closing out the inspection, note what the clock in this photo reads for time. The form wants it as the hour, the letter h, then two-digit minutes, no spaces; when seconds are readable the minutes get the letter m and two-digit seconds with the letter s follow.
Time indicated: 1h44m44s
